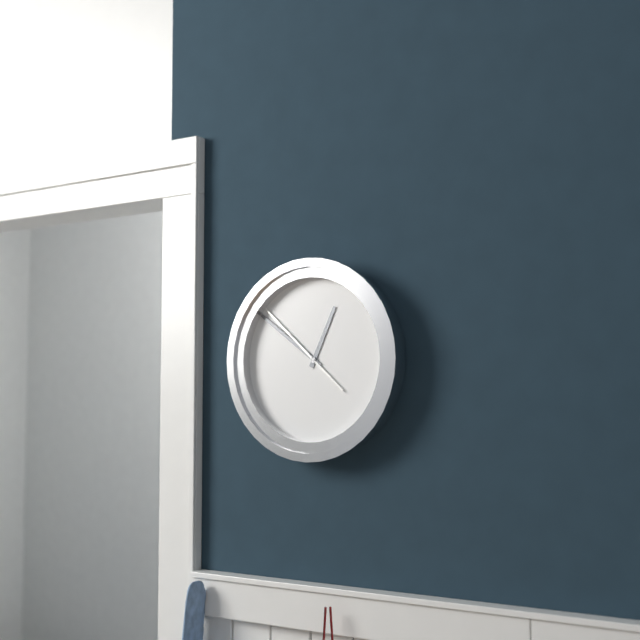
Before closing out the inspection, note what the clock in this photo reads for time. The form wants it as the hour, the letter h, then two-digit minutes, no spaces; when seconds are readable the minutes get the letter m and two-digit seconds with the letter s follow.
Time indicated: 12h51m52s
